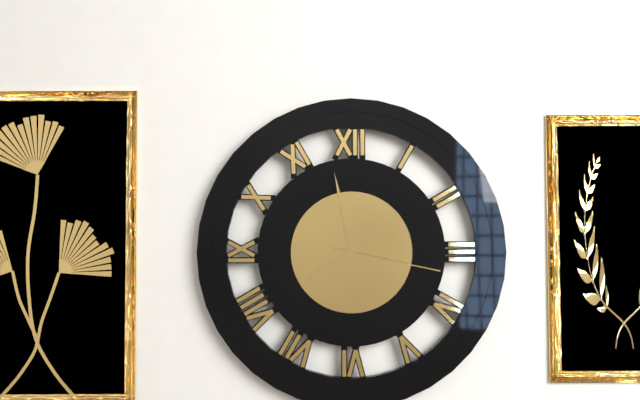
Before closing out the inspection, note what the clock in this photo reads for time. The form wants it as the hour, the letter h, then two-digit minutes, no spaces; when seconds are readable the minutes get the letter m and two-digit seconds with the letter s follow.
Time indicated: 7h58m17s
